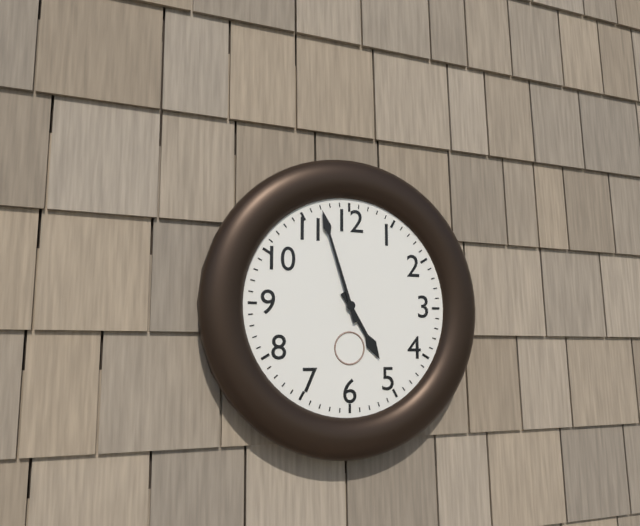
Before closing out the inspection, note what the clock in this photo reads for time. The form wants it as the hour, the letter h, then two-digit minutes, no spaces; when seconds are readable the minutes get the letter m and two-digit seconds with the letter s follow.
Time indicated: 4h57
